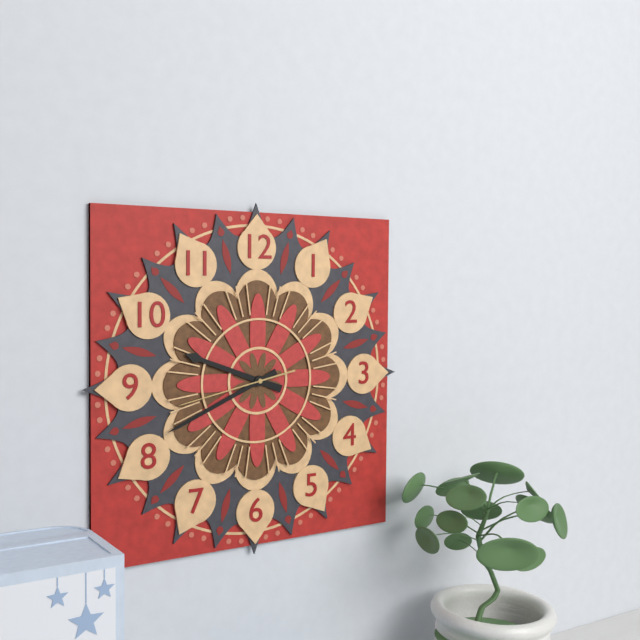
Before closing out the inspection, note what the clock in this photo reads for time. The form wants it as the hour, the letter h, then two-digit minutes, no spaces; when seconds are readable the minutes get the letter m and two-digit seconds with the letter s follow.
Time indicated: 9h41m43s
